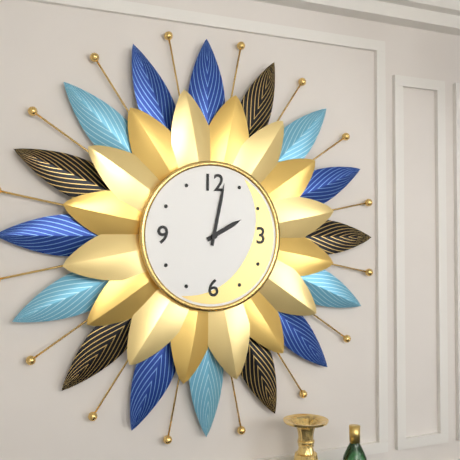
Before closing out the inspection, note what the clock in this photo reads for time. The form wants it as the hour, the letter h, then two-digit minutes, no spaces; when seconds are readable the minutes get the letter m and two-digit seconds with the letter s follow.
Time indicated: 2h02
